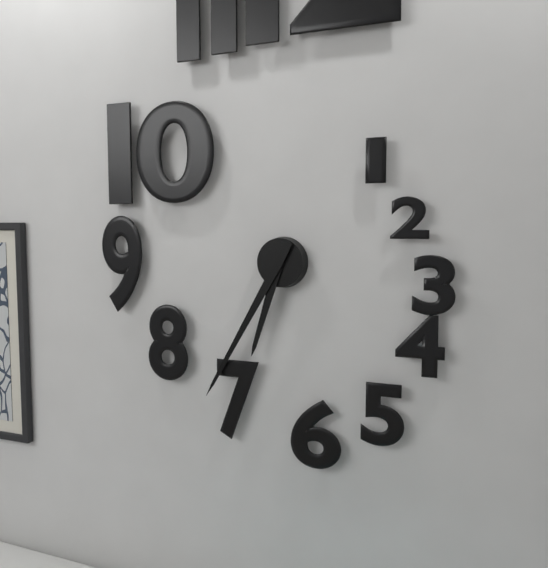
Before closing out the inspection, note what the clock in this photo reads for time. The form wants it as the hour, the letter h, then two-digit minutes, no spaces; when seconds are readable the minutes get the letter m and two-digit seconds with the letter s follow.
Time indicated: 6h35
